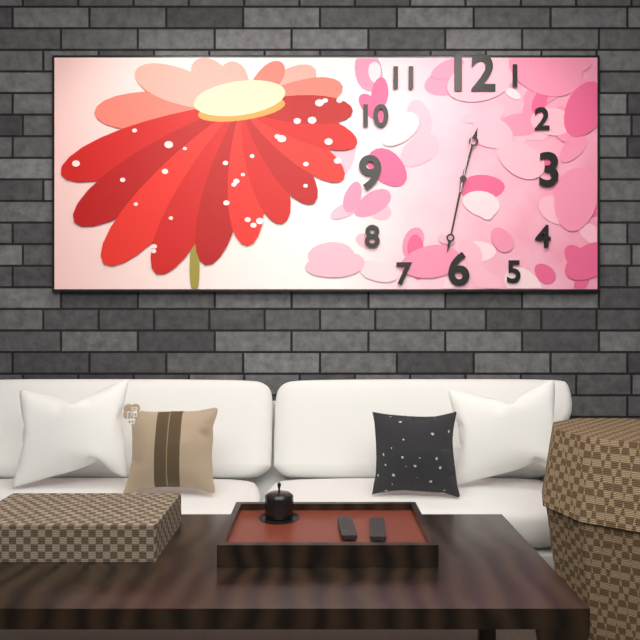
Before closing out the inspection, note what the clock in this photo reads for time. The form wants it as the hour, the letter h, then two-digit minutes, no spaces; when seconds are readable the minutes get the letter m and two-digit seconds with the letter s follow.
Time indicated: 12h32m02s
